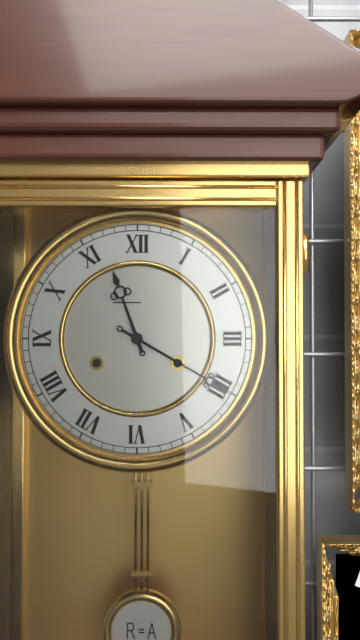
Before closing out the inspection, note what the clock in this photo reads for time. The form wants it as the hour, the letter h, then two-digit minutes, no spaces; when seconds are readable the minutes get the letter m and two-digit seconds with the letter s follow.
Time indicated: 11h20
